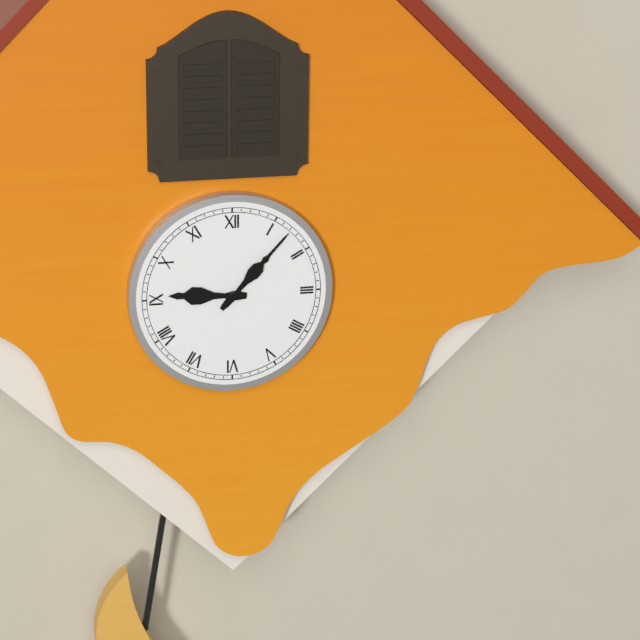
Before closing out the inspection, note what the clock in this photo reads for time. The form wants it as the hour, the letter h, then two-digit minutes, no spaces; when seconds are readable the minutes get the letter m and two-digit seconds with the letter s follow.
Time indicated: 9h07
